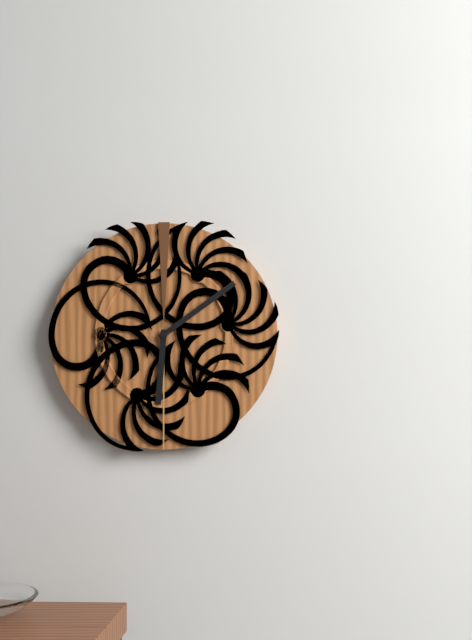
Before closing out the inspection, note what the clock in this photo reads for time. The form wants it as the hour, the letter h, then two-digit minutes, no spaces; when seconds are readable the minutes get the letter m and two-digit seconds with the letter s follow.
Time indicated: 6h09
